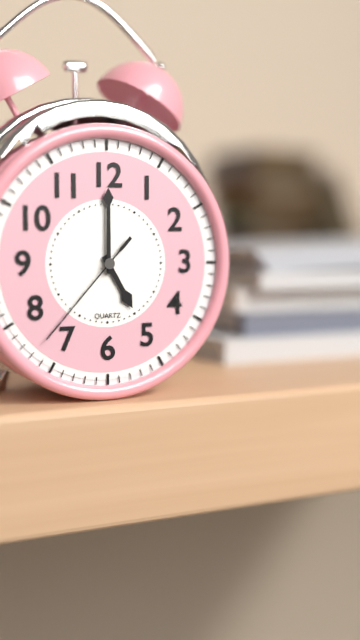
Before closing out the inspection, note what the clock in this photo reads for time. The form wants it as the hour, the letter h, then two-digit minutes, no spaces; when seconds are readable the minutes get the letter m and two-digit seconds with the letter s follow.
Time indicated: 5h00m37s
